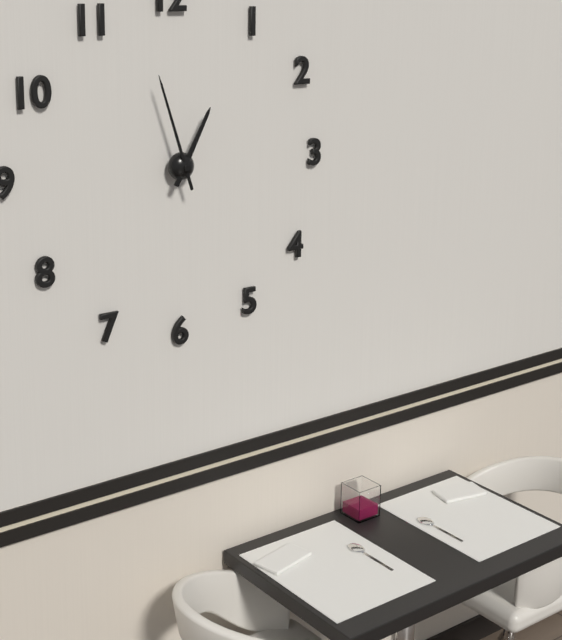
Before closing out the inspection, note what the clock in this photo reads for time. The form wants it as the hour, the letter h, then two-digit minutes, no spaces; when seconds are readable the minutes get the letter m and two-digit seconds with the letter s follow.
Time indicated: 12h57
